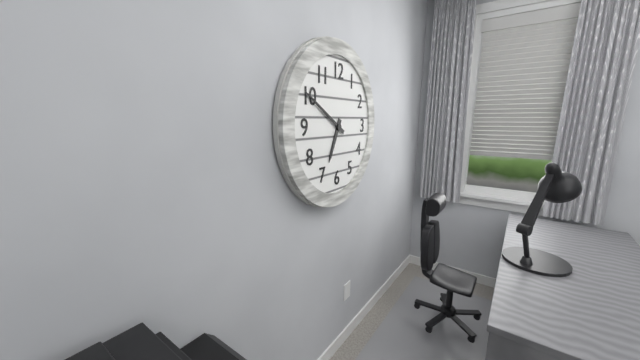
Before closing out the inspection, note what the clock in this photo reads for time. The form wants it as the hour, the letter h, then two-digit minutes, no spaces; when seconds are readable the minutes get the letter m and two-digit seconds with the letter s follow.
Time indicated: 6h50
